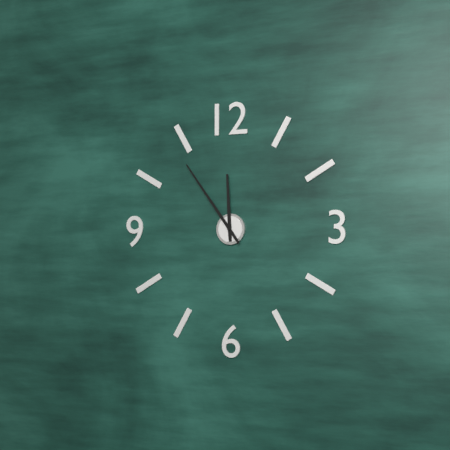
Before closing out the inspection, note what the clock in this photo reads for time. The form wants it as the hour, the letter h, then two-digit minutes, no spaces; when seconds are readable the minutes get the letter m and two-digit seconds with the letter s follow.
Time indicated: 11h54
